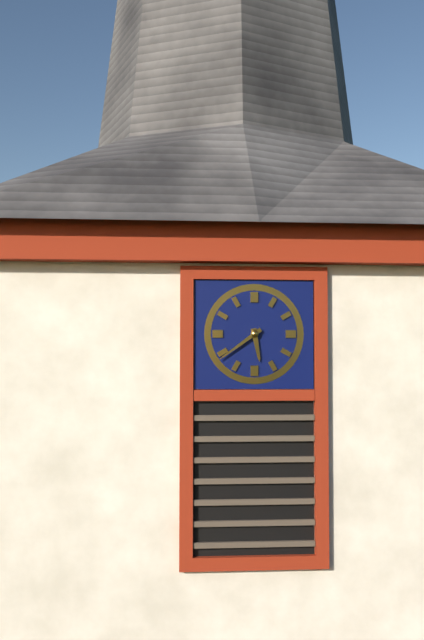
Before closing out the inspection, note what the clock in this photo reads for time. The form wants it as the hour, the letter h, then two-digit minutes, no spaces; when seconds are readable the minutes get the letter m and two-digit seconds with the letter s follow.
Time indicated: 5h39
